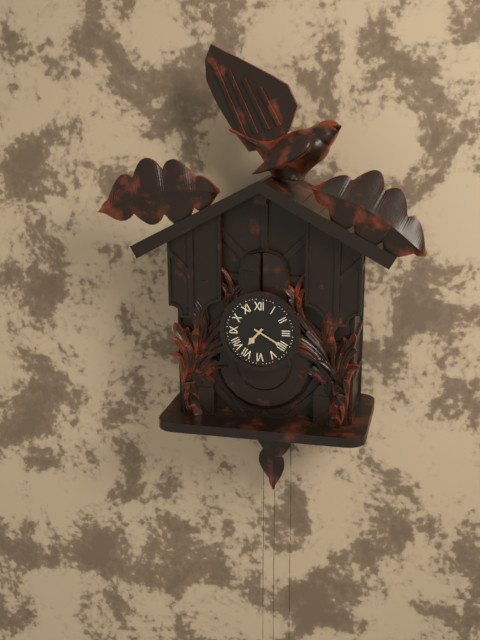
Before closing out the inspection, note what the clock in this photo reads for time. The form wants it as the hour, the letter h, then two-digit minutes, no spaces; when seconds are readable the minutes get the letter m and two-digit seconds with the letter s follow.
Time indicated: 7h20
